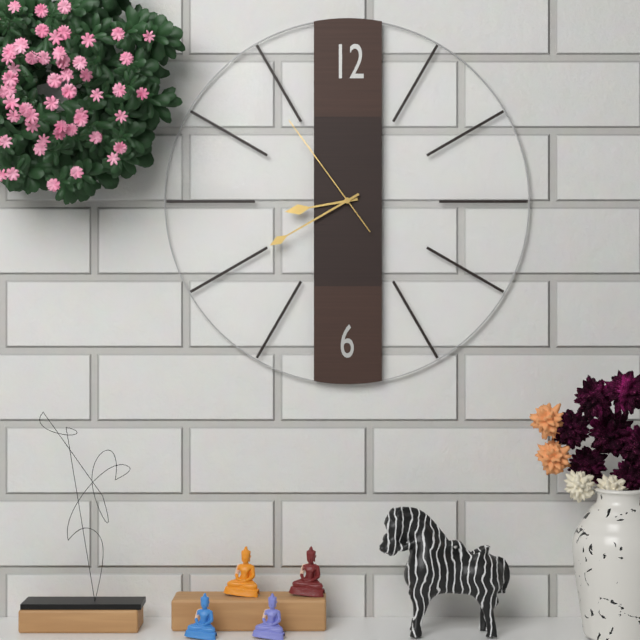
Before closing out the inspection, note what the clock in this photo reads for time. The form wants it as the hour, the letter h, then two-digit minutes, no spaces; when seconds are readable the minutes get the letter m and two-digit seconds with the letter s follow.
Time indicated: 8h40m54s
